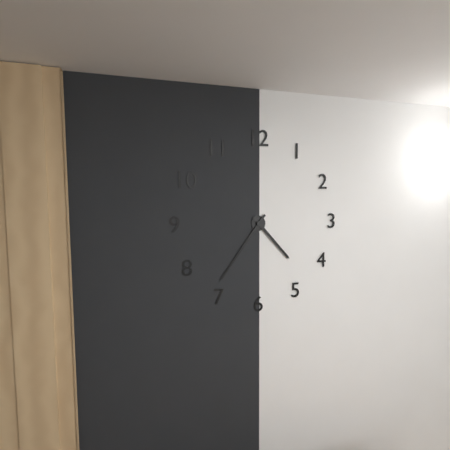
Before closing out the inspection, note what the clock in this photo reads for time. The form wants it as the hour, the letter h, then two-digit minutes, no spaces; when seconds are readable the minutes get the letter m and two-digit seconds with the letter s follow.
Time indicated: 4h36
